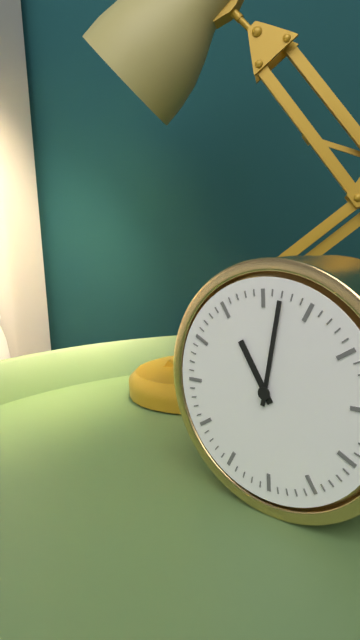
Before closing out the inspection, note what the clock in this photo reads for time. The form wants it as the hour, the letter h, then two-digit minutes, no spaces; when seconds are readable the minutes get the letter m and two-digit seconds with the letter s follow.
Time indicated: 11h02
